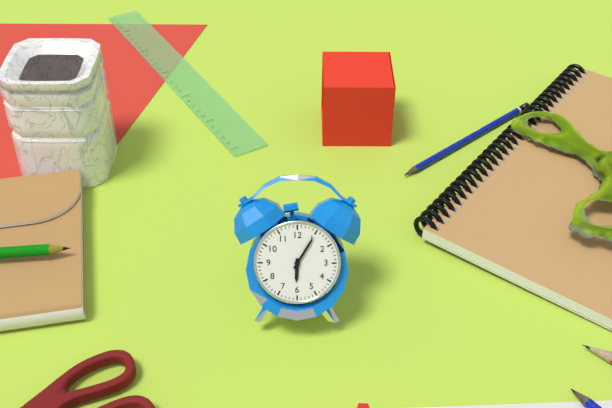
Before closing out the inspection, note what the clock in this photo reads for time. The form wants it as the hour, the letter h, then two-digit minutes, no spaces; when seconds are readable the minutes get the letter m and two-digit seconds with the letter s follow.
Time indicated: 6h05
